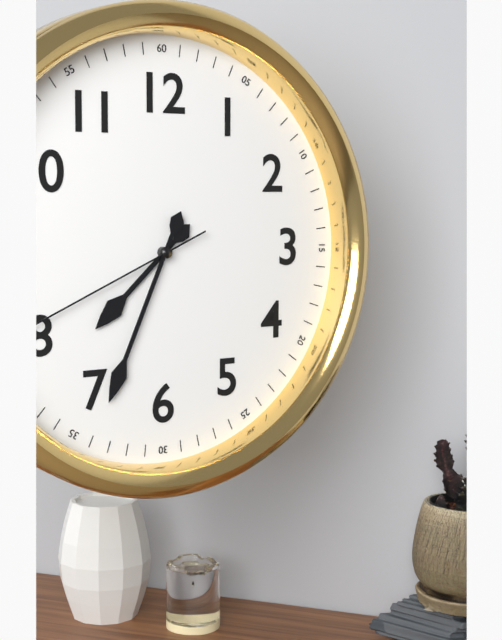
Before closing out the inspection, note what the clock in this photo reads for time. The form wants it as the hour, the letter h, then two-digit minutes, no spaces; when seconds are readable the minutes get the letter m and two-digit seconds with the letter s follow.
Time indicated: 7h34m41s
